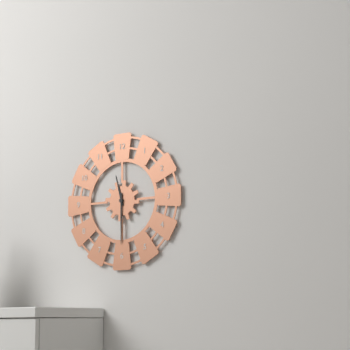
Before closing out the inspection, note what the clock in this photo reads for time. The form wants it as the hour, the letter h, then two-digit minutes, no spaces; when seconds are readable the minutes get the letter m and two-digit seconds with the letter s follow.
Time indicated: 11h30
